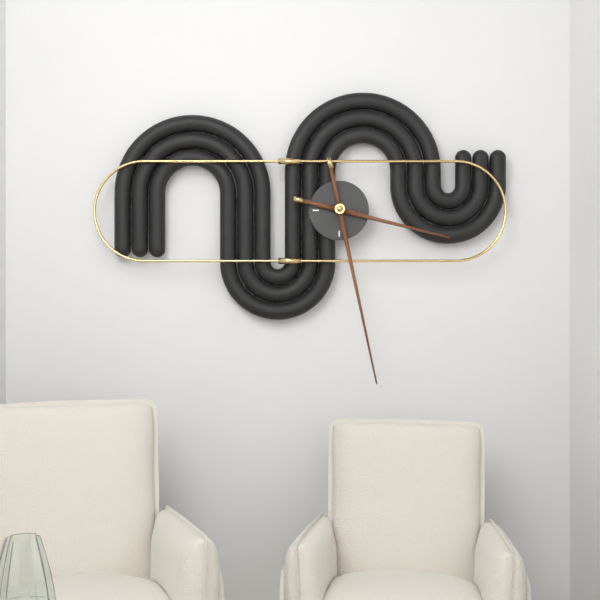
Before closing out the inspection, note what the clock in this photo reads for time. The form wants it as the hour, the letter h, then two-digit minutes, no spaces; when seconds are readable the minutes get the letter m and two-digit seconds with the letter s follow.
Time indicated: 3h28
